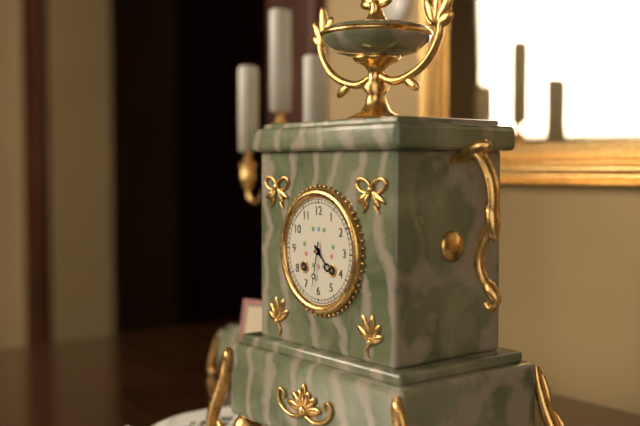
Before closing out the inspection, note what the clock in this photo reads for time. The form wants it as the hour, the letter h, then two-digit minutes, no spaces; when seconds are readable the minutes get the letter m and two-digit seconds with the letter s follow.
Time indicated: 4h32
